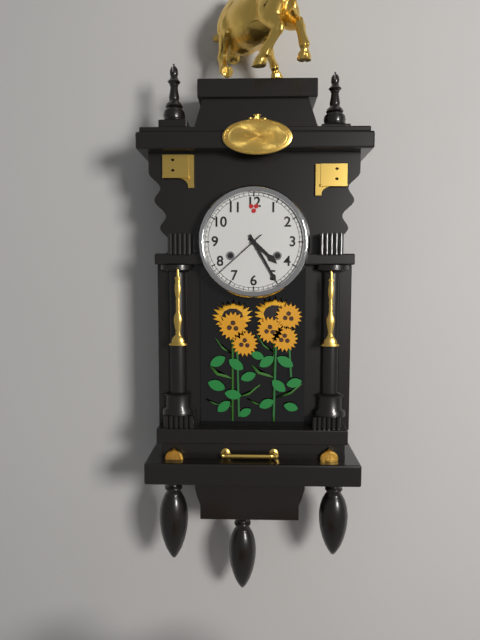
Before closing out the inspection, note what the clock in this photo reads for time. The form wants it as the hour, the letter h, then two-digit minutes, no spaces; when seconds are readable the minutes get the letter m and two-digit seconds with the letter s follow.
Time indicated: 4h25m38s
